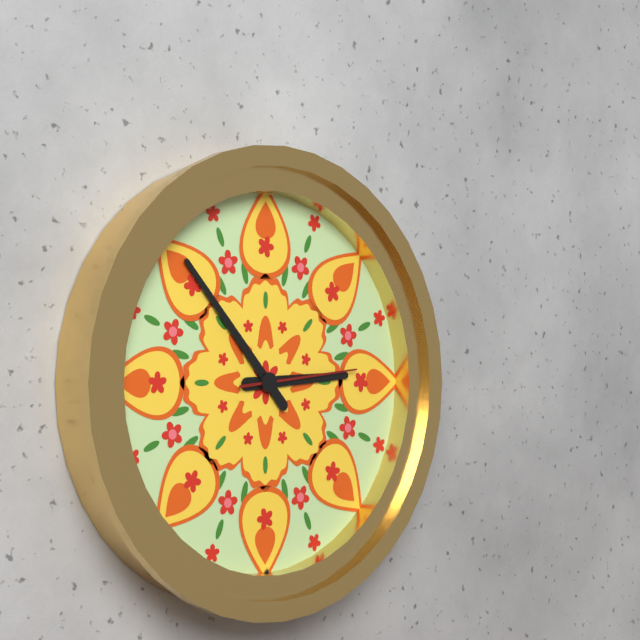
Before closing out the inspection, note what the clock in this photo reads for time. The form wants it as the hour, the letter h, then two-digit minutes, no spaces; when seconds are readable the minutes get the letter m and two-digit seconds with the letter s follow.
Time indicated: 2h53m14s
